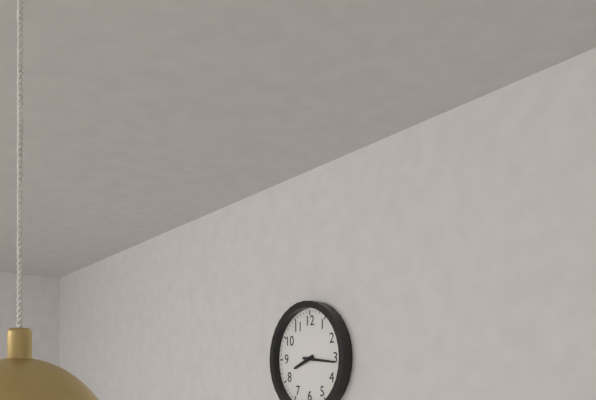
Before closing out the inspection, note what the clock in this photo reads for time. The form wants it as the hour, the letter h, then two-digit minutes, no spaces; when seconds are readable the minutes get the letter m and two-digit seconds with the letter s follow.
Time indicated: 8h16
